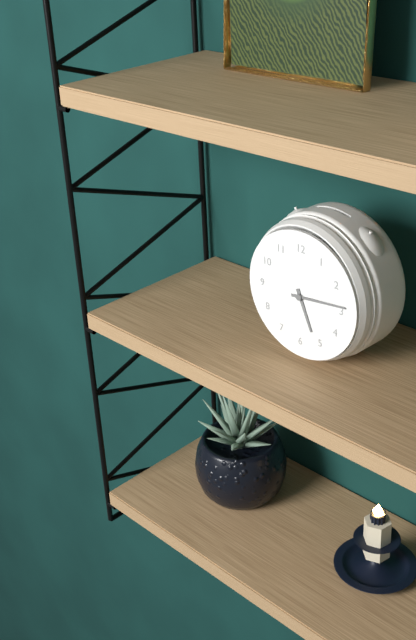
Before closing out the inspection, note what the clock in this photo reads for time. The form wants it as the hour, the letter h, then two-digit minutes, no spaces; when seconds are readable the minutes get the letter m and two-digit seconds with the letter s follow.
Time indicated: 5h14
